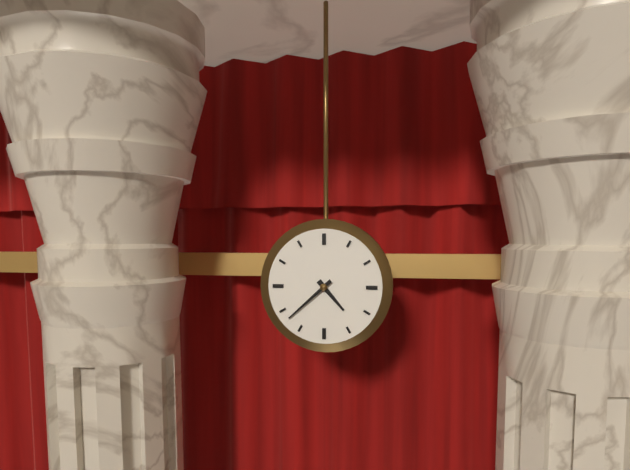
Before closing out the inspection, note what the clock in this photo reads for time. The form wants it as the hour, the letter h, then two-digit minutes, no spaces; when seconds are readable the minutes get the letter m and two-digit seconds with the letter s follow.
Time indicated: 4h38
